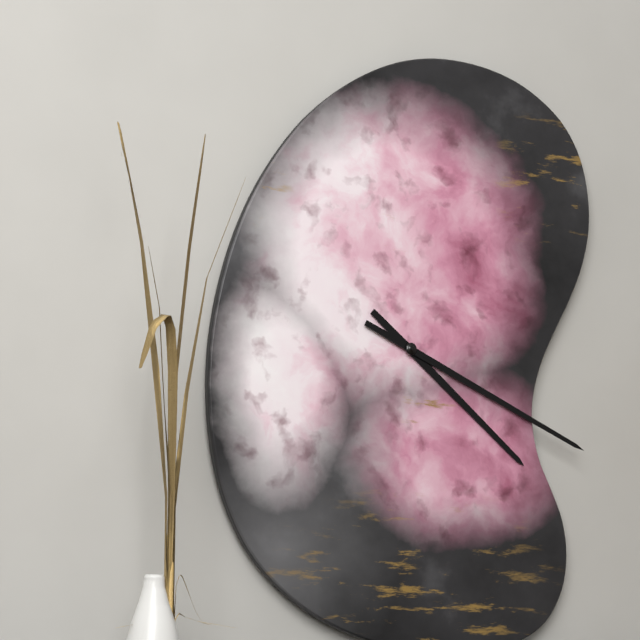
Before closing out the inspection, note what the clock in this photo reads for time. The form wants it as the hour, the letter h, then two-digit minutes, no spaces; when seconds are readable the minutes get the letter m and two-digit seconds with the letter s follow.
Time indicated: 4h19
